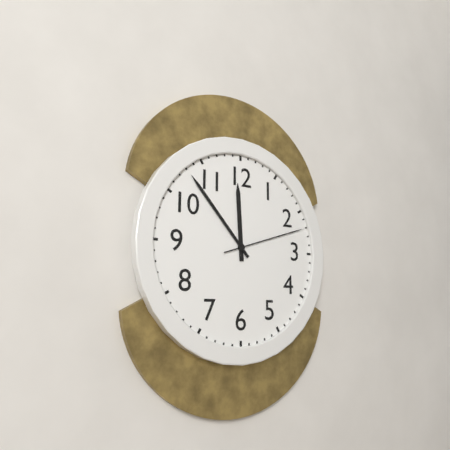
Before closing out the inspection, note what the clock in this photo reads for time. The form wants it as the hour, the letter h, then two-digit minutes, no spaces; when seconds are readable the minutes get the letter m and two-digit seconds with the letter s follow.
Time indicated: 11h53m12s
